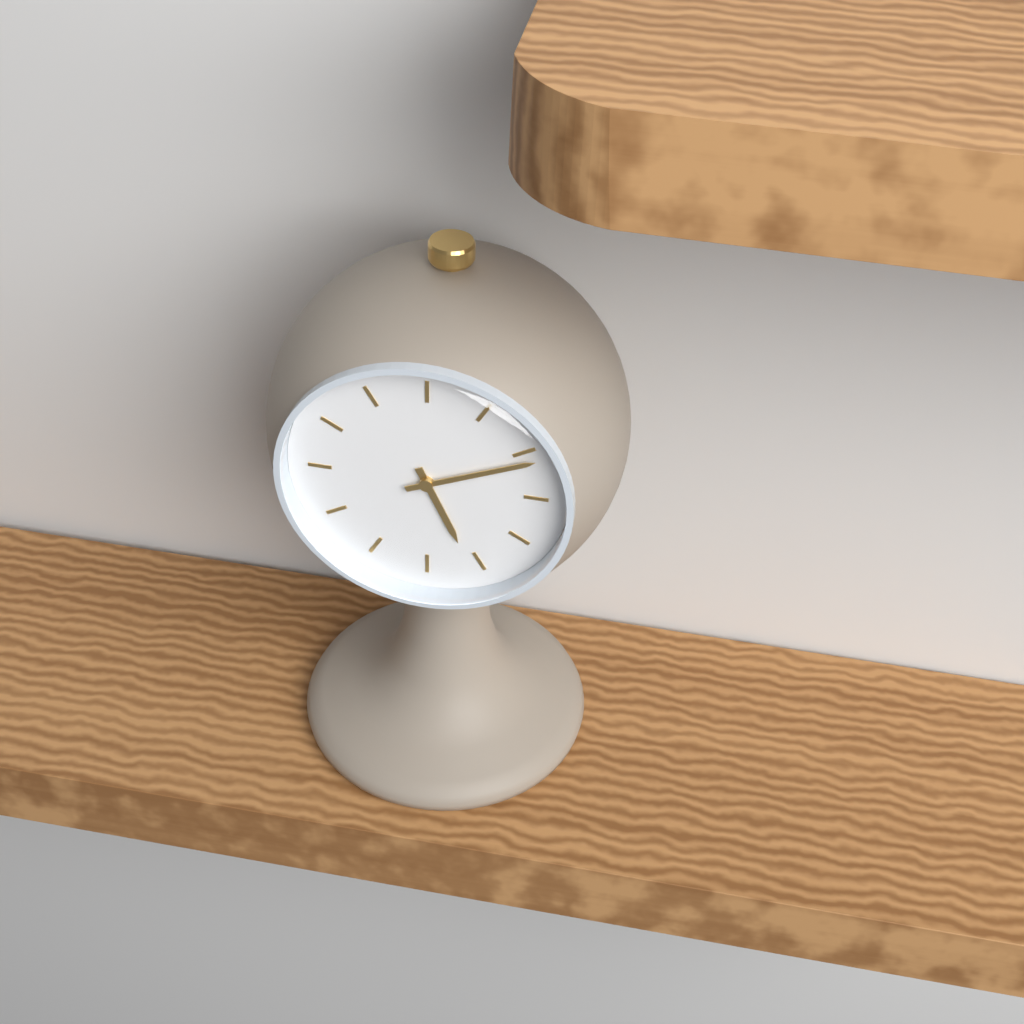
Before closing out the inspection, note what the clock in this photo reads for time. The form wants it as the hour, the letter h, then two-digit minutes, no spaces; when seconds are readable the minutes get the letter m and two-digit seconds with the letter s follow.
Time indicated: 5h11
